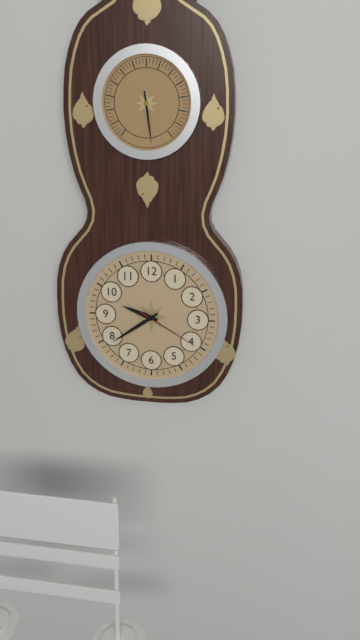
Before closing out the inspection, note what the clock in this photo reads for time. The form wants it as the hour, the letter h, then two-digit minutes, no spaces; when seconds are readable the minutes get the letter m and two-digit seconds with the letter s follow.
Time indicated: 9h39m20s
